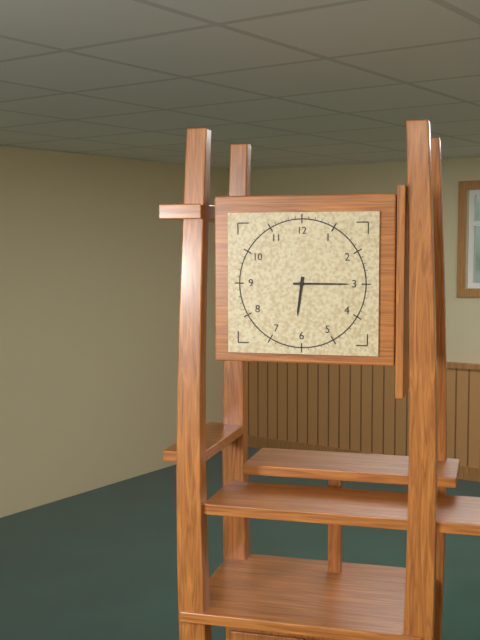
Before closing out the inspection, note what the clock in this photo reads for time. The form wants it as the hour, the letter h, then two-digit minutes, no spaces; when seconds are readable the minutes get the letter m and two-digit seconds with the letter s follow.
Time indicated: 6h15
